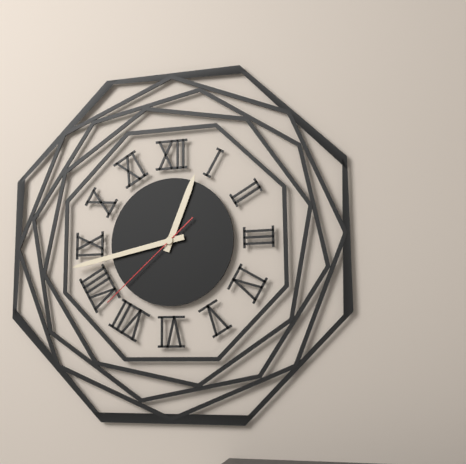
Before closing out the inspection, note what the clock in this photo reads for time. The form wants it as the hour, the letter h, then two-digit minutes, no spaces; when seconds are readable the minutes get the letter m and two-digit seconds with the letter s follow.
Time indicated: 12h43m38s
